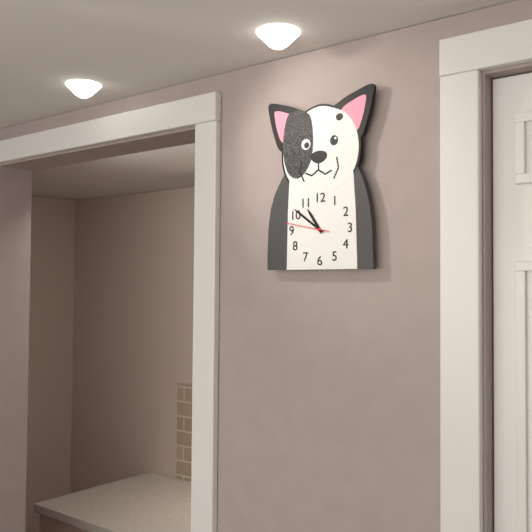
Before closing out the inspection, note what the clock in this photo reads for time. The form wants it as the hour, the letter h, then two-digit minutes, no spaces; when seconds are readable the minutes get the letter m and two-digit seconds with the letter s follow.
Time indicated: 10h51m47s
